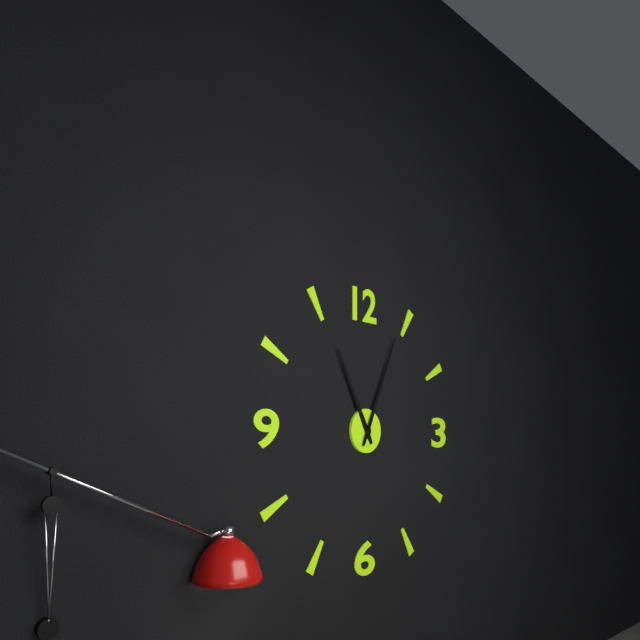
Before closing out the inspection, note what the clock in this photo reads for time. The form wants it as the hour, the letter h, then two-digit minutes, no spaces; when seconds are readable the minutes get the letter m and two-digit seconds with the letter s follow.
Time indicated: 11h04
